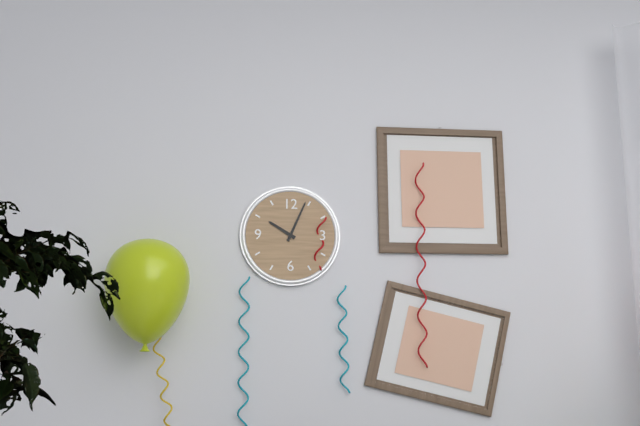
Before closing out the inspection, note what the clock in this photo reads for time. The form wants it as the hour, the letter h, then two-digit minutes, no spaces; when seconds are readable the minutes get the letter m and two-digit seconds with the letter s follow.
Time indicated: 10h04
